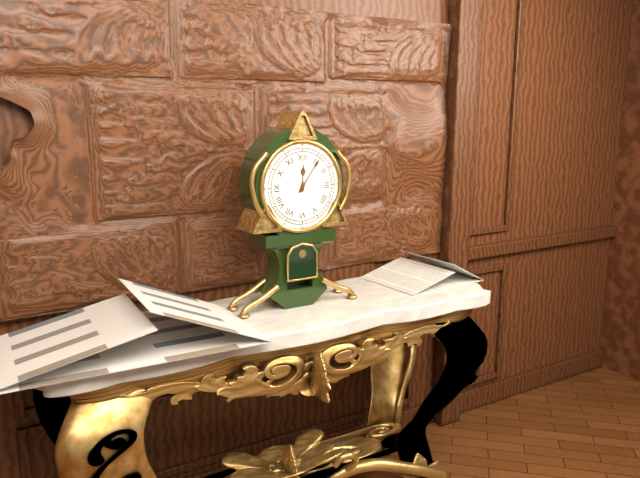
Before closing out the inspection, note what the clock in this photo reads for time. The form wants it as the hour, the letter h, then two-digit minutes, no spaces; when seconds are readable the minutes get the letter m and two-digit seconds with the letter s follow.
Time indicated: 12h06
